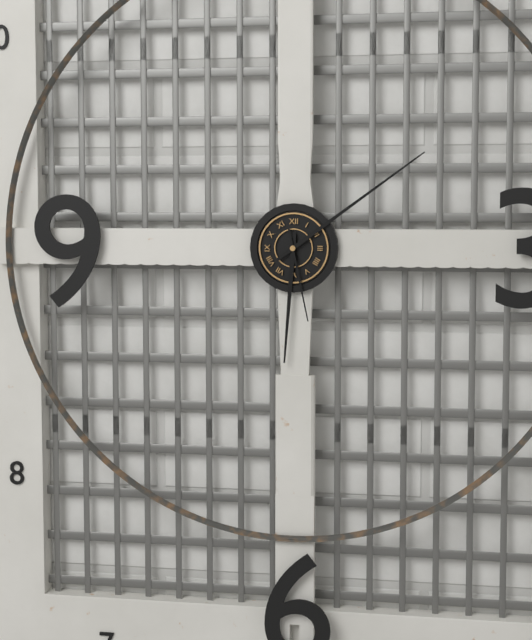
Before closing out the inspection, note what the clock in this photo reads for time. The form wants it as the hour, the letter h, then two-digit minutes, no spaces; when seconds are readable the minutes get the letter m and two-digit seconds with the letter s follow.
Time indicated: 6h09m28s
